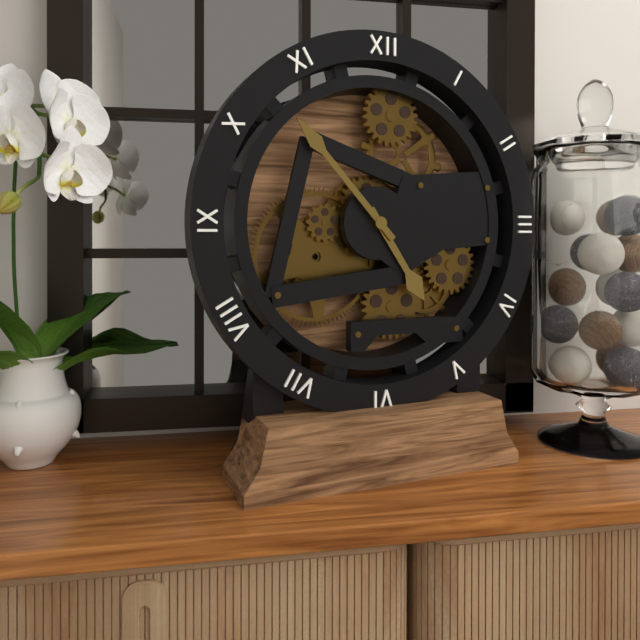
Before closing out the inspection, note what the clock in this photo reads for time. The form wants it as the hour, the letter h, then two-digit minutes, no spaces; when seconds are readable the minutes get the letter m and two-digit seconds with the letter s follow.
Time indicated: 4h53
